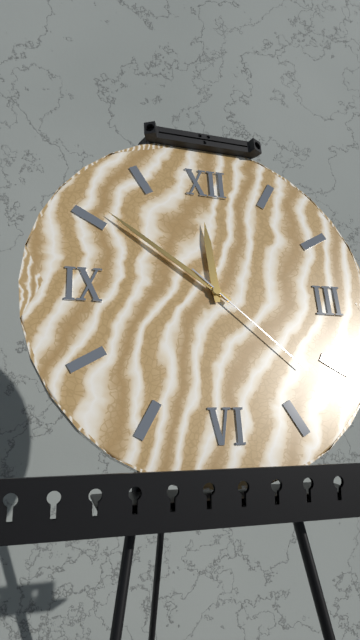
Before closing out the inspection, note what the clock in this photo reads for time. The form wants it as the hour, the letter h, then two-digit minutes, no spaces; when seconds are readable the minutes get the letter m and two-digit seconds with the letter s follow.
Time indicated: 11h51m22s
